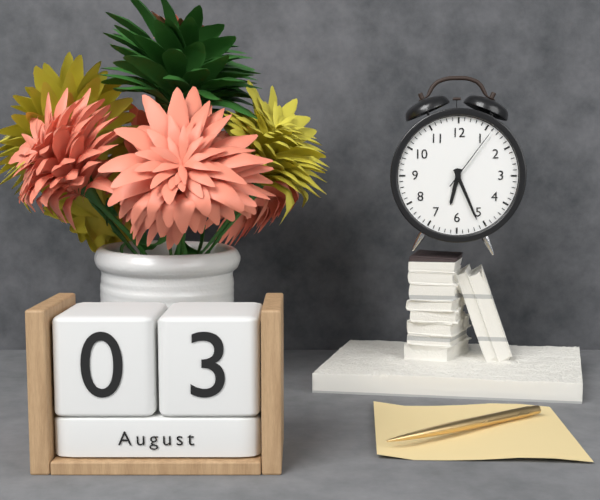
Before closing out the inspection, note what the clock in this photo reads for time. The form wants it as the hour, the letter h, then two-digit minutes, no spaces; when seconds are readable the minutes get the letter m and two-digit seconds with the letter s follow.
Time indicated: 6h26m06s
